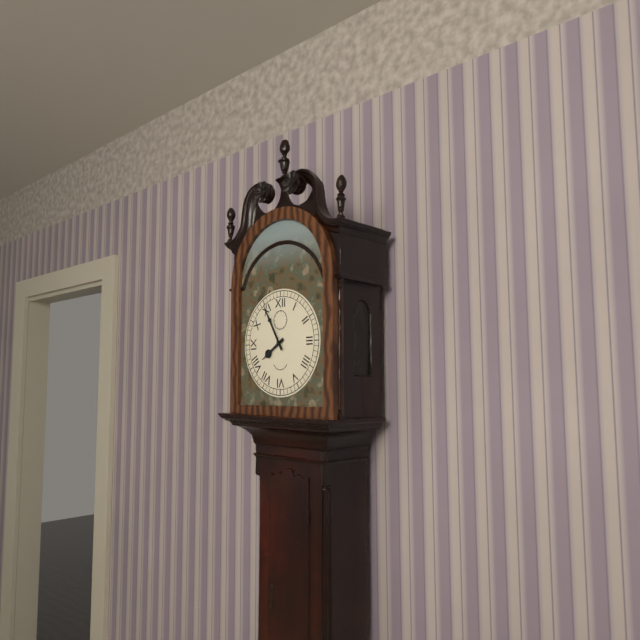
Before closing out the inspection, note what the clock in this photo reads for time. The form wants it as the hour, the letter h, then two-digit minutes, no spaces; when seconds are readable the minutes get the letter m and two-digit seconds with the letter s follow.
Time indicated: 7h55
